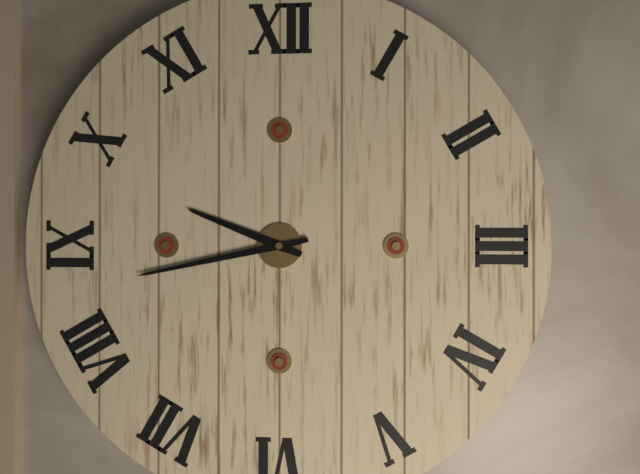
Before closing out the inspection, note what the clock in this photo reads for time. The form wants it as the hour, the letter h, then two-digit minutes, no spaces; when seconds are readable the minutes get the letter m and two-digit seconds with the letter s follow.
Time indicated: 9h43
